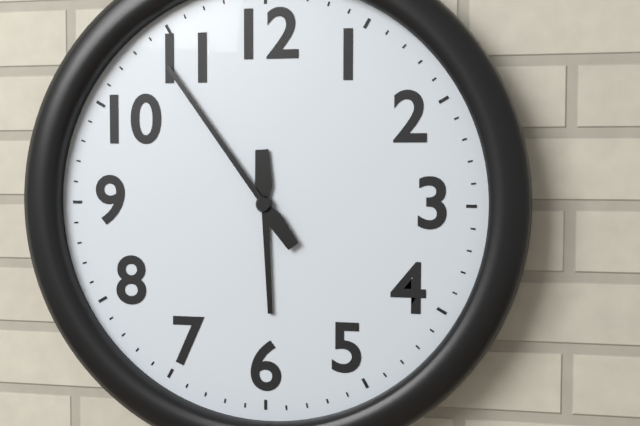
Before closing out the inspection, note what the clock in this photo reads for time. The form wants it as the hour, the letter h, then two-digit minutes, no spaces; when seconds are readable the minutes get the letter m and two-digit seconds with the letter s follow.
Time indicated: 5h54
